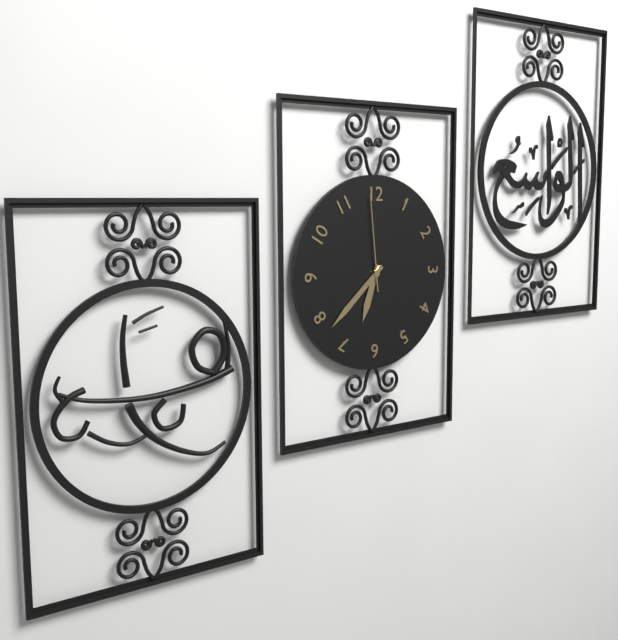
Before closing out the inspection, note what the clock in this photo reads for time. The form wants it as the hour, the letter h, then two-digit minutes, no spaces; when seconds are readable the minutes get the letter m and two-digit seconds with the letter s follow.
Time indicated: 6h38m59s
